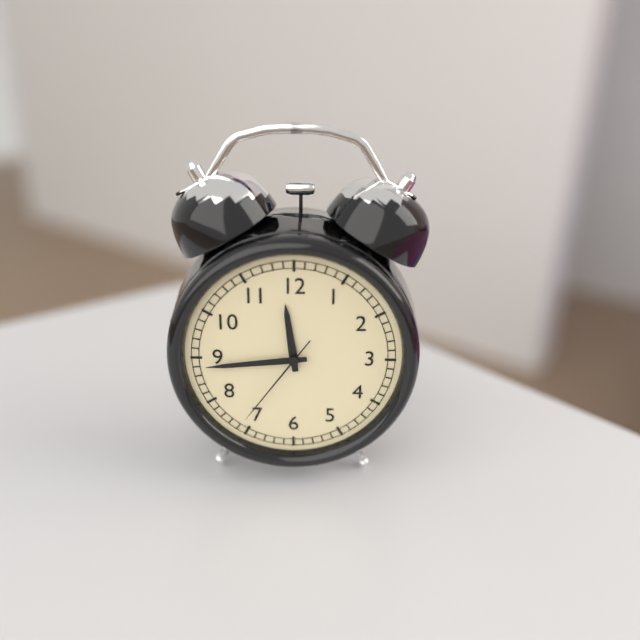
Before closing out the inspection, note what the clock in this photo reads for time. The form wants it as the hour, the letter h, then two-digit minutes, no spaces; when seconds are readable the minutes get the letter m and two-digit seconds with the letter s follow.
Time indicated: 11h44m36s
